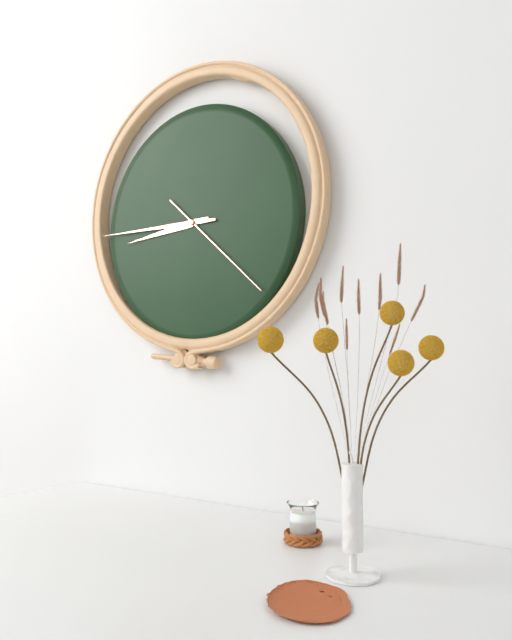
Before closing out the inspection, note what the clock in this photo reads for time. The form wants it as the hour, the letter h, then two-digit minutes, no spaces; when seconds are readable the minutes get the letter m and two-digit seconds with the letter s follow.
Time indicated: 8h45m22s
